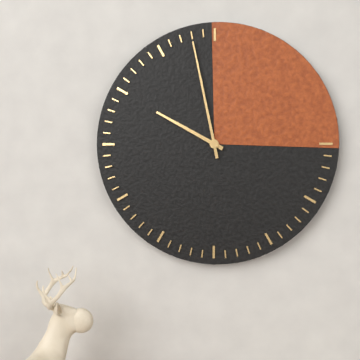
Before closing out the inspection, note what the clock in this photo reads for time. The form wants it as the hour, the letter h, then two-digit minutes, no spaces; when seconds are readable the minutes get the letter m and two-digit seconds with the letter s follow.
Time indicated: 9h58
